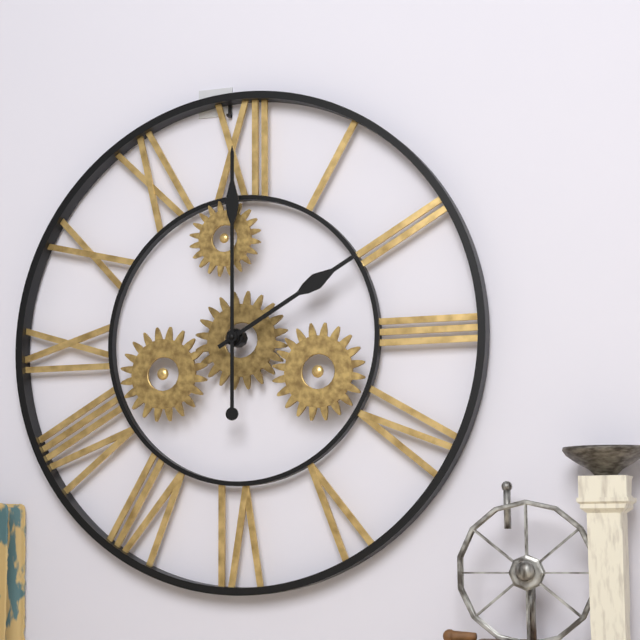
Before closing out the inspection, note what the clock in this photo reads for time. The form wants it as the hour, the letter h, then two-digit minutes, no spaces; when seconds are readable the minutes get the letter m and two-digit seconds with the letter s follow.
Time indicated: 2h00
